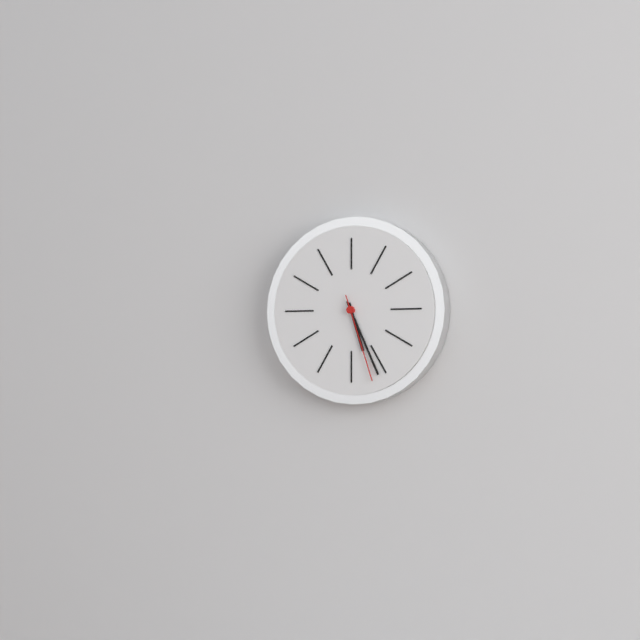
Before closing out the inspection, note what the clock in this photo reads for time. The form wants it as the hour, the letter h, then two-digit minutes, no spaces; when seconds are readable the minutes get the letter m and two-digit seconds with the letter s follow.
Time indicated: 5h26m27s
